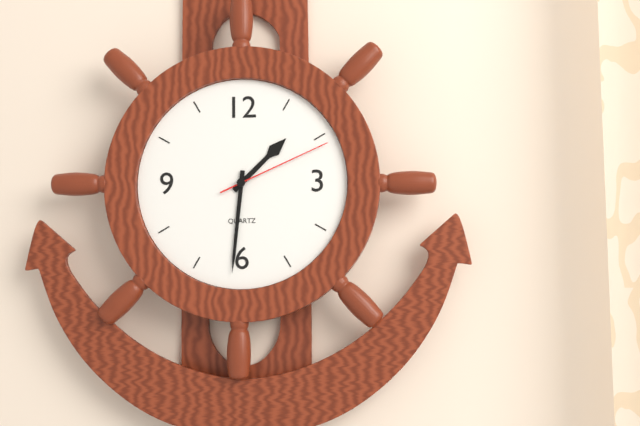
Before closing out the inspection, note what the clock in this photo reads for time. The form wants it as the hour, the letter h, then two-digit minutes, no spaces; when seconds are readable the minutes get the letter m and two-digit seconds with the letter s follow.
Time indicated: 1h31m11s
